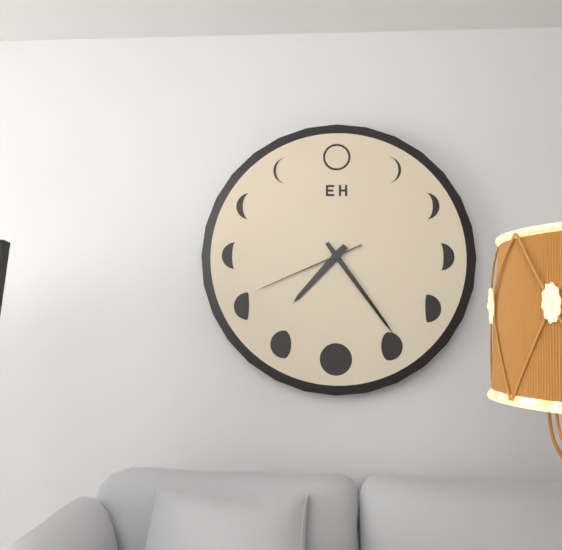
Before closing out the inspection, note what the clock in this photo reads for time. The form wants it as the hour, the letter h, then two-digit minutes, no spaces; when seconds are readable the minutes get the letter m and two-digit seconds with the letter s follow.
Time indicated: 7h24m41s
